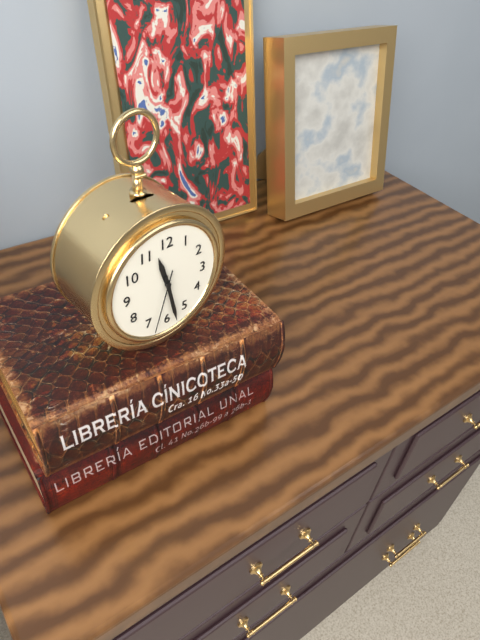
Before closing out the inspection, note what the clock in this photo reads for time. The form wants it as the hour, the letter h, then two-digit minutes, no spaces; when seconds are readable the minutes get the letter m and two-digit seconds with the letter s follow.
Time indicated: 11h28m33s
